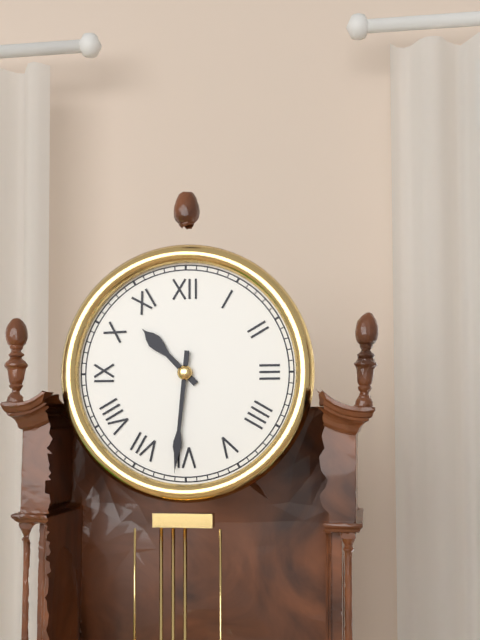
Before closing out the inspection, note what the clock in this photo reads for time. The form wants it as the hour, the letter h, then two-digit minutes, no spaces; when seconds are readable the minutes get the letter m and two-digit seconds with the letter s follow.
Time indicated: 10h31
